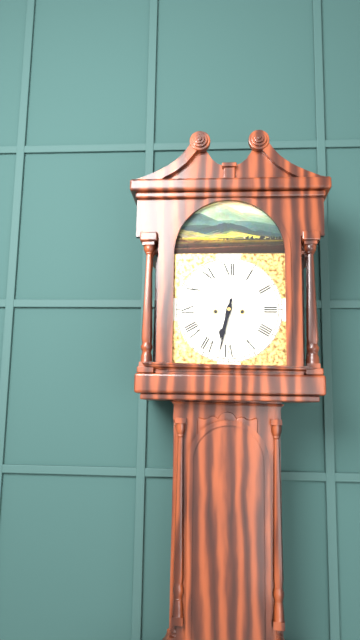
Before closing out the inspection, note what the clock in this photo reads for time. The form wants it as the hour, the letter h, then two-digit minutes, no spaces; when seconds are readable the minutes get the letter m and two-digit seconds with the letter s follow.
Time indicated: 6h32
